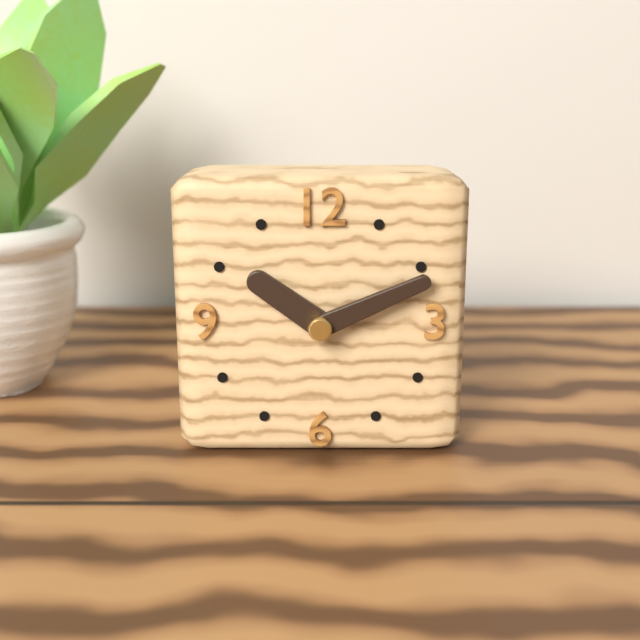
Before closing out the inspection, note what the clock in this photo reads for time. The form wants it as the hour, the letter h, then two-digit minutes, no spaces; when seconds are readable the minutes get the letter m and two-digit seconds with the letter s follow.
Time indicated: 10h11
